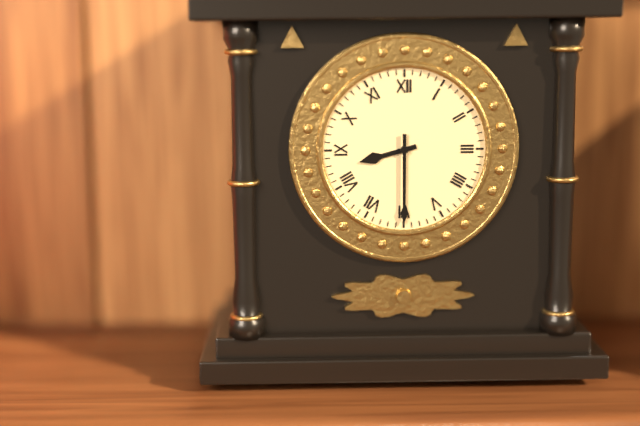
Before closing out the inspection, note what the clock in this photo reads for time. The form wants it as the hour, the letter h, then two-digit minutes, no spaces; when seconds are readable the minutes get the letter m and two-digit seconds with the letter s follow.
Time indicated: 8h30
